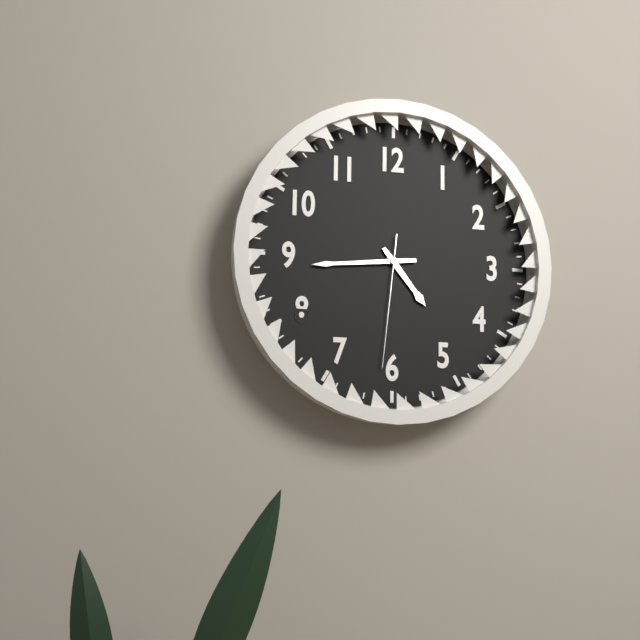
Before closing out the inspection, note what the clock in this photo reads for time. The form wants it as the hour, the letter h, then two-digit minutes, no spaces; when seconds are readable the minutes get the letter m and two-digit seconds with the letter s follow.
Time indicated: 4h44m31s
